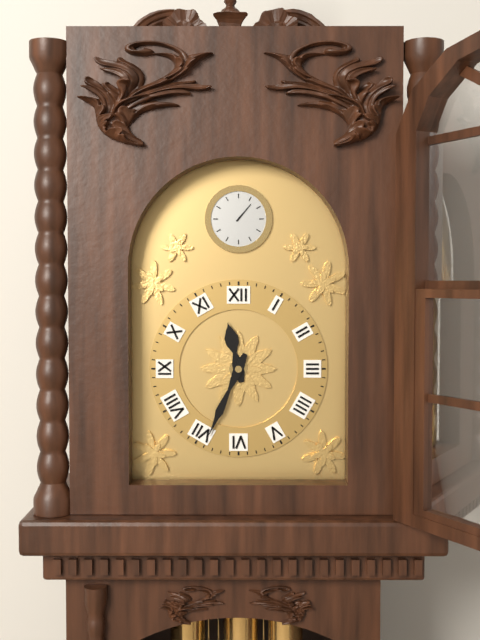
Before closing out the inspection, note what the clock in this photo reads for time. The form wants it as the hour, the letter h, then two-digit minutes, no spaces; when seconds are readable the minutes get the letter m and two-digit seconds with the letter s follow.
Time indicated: 11h34
